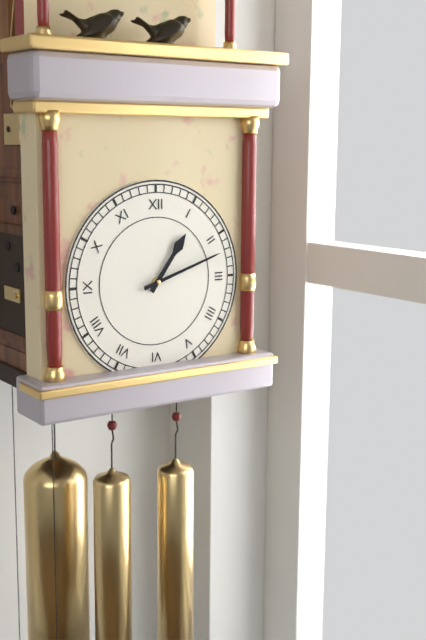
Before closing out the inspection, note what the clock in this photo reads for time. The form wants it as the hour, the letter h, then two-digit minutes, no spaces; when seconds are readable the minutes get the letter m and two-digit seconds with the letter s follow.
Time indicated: 1h12
